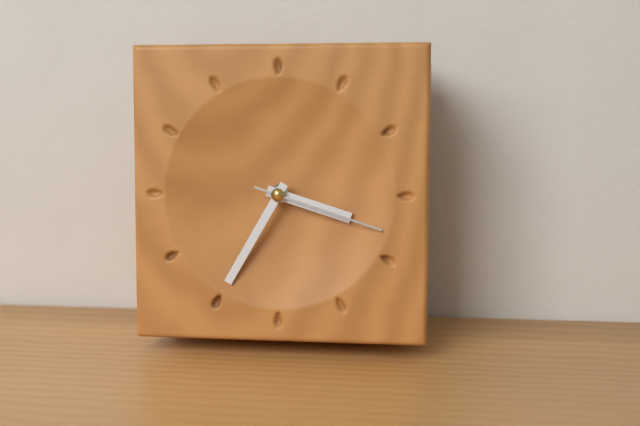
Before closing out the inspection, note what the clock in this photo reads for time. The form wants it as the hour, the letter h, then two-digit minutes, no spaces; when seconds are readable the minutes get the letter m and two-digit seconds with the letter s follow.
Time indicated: 3h35m18s
